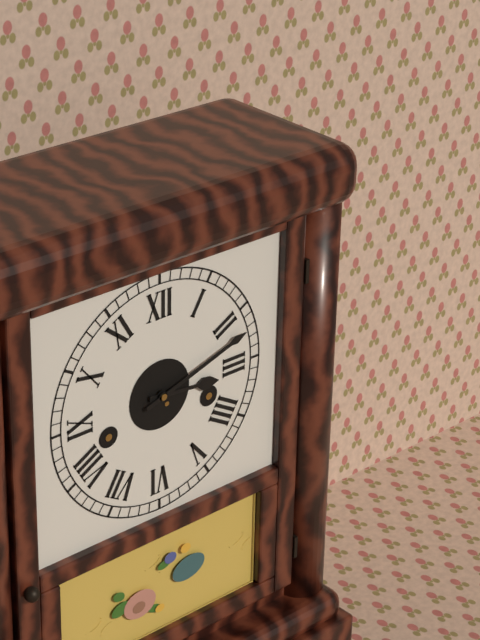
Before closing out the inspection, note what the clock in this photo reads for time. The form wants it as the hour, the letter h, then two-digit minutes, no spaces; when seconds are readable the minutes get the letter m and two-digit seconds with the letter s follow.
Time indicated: 3h12
